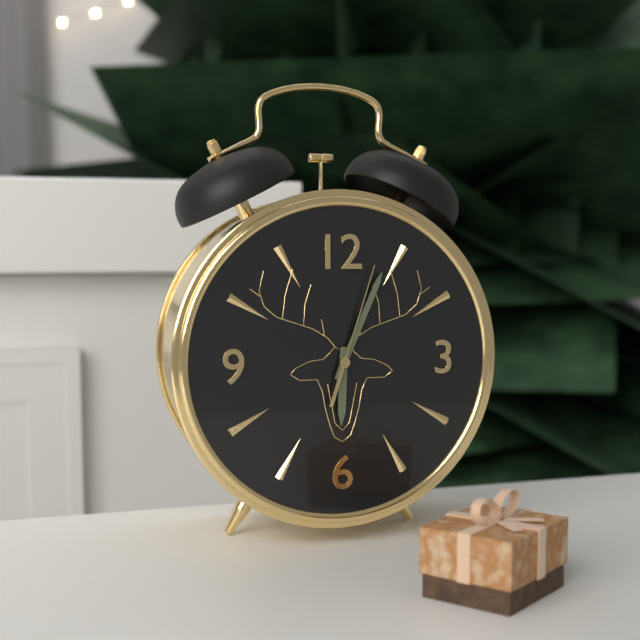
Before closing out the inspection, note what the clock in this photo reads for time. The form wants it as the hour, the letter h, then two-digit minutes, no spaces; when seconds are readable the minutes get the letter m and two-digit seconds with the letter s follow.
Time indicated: 6h04m03s
